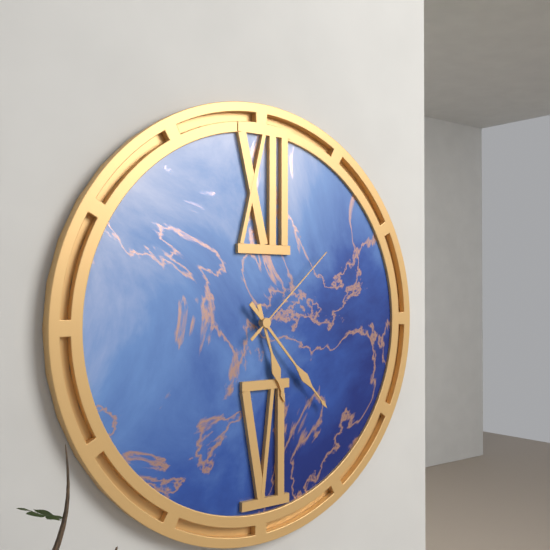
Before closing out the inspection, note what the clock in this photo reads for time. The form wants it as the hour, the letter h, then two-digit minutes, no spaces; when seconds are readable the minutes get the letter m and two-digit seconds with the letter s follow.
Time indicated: 5h23m08s
